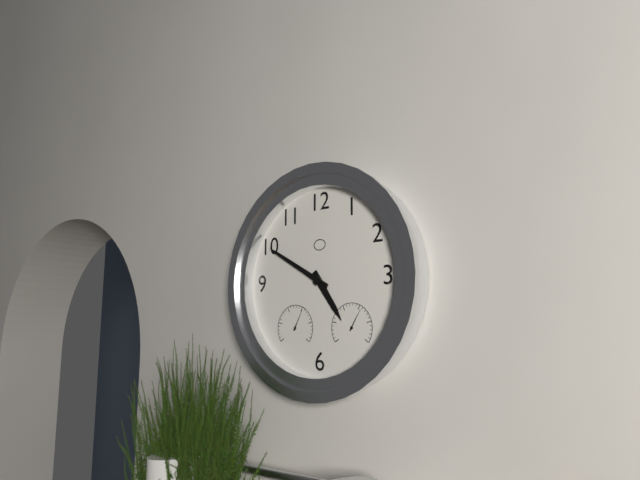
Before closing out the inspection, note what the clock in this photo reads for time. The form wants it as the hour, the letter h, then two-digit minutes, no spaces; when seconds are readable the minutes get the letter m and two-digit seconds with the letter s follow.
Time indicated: 4h50
